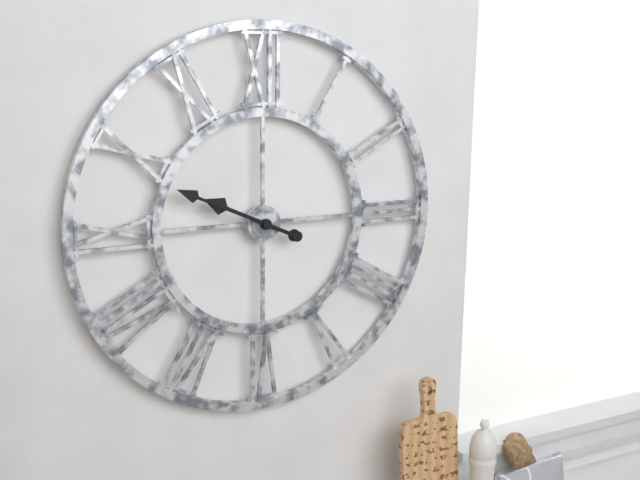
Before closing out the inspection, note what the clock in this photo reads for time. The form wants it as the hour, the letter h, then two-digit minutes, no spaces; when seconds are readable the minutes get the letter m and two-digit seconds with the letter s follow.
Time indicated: 9h49
